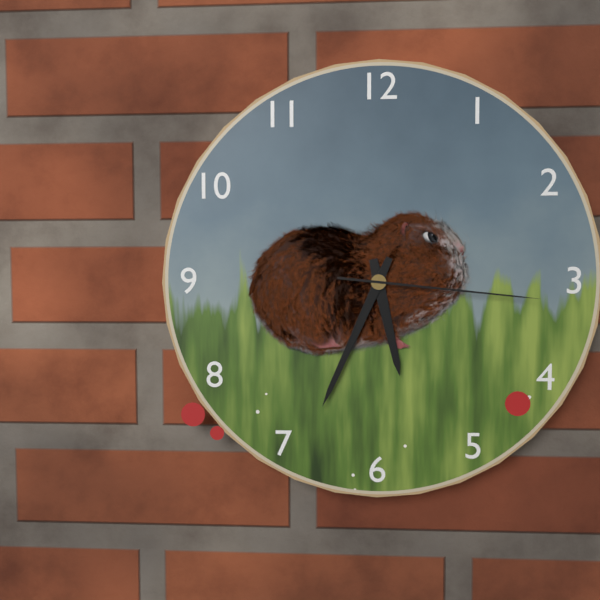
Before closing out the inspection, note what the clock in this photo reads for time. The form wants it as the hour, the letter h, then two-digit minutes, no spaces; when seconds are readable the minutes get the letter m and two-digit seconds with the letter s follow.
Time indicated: 5h34m16s
